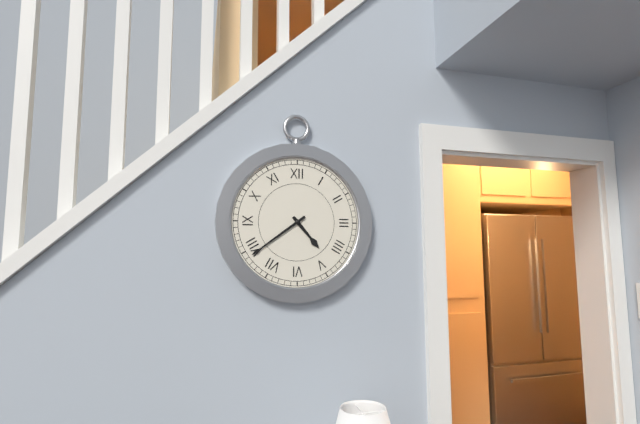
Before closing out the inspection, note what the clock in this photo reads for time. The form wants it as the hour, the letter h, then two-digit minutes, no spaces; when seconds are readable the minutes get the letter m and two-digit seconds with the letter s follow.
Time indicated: 4h39
